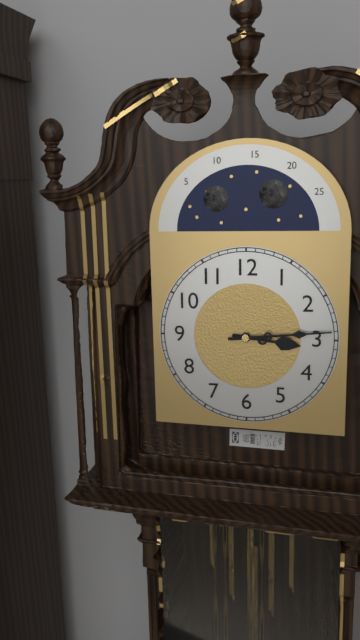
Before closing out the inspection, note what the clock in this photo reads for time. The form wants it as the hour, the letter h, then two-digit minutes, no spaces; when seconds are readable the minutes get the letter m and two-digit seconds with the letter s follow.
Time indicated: 3h14
